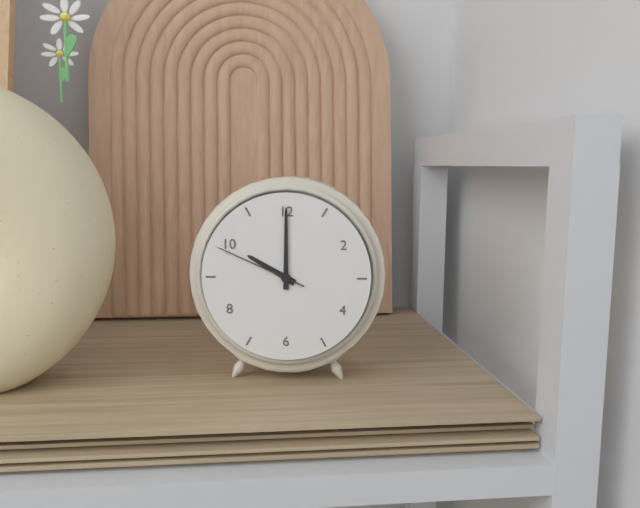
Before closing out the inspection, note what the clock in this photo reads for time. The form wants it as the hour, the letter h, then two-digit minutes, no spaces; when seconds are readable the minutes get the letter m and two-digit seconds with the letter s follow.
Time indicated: 10h00m49s
